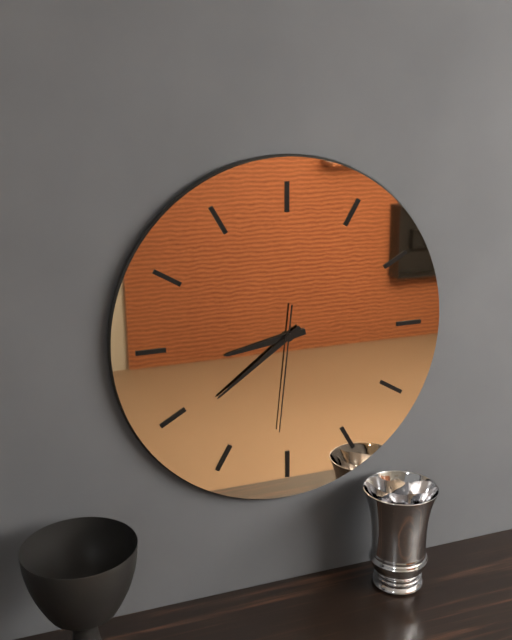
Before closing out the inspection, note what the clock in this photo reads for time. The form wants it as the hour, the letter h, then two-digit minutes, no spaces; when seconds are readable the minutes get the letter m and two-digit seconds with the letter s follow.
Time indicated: 8h39m31s
